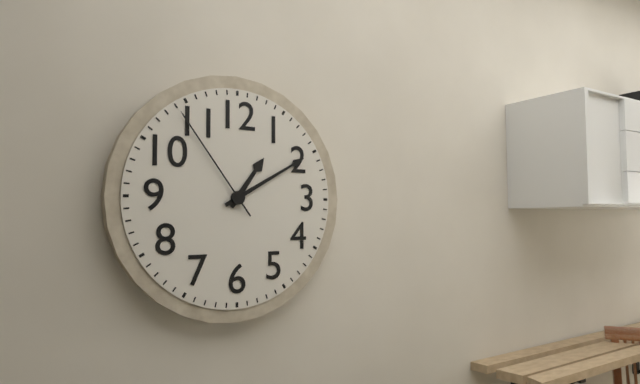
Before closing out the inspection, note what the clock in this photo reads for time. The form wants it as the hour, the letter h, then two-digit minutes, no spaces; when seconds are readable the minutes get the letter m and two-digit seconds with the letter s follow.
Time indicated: 1h10m54s
